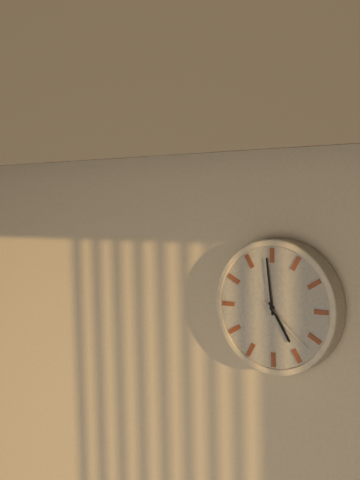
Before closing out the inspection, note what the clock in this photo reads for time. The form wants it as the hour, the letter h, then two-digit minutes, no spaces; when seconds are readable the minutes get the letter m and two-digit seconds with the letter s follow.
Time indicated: 4h59m22s
